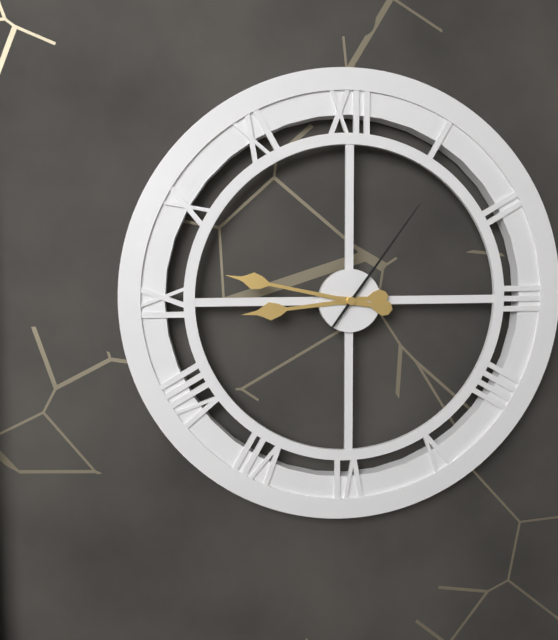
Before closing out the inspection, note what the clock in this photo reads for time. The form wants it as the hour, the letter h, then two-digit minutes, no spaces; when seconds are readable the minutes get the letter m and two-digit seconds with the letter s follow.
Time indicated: 8h47m06s
